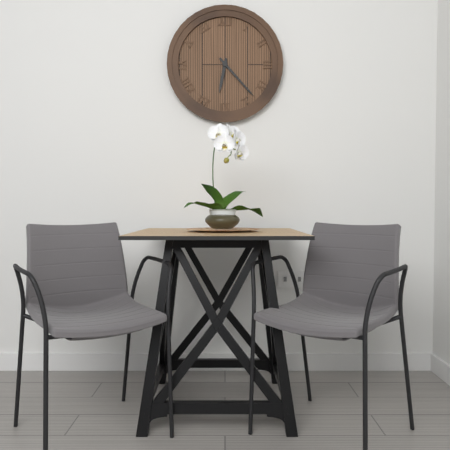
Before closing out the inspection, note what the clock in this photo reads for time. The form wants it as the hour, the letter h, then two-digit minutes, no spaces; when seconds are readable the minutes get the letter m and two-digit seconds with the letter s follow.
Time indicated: 6h23
